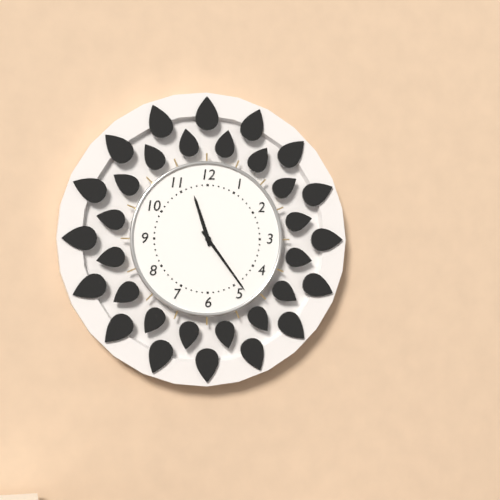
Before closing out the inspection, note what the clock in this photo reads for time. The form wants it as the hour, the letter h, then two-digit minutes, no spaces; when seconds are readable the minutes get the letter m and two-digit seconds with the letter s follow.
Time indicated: 11h24
